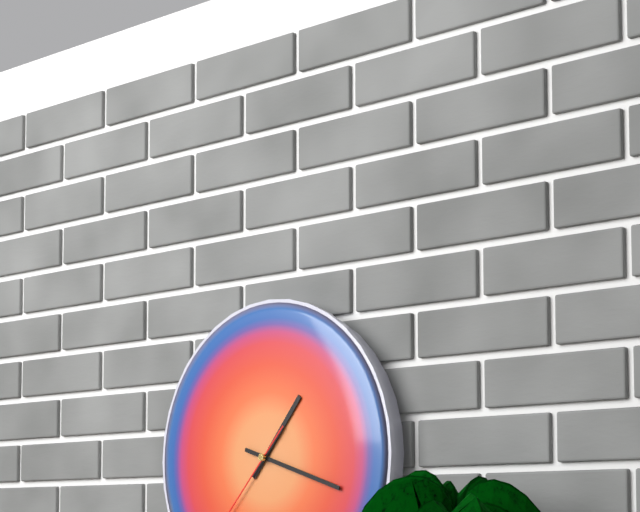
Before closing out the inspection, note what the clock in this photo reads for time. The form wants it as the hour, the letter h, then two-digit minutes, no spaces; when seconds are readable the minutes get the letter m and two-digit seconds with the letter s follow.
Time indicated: 1h18
